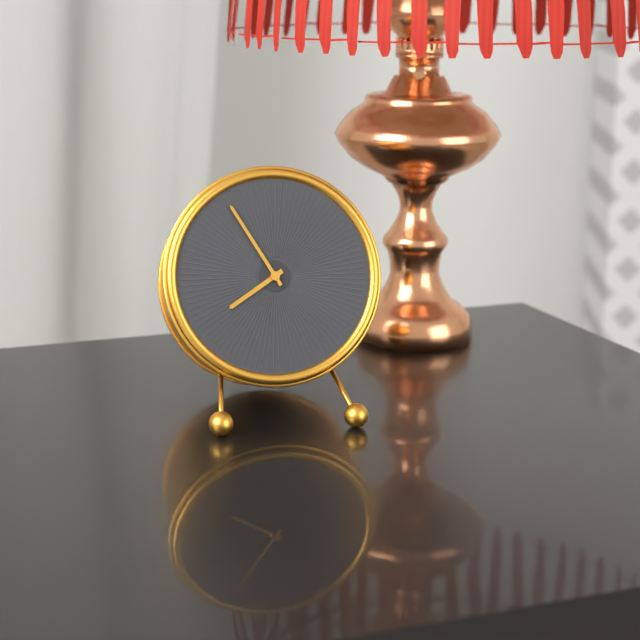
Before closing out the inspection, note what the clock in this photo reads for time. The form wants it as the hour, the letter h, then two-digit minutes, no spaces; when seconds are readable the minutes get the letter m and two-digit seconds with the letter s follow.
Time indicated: 7h55
